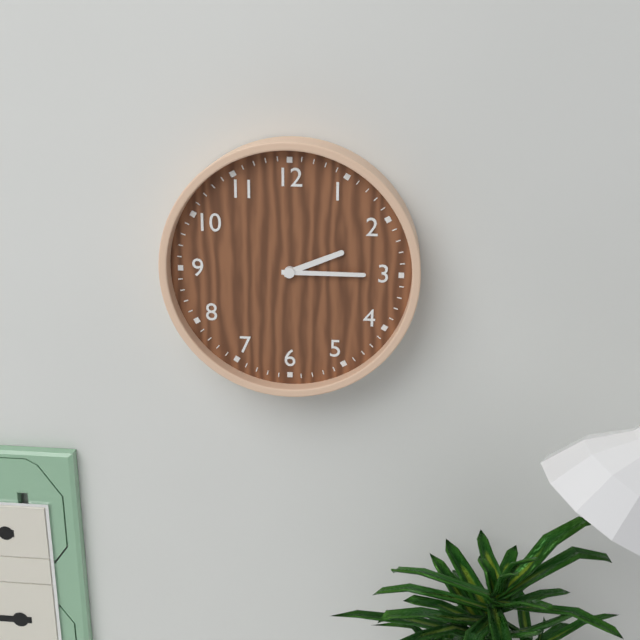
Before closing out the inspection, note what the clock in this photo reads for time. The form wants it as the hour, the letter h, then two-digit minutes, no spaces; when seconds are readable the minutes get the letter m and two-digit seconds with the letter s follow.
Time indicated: 2h15
